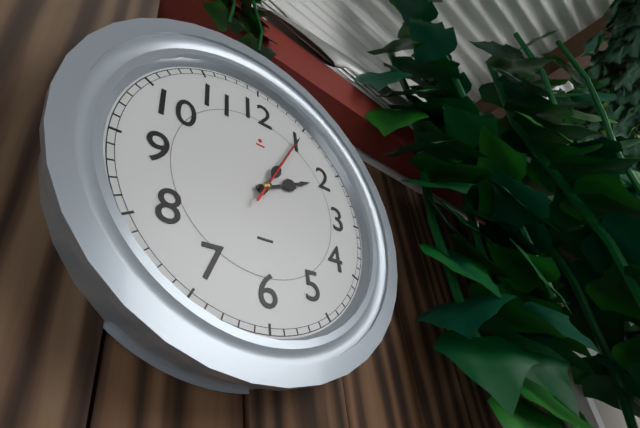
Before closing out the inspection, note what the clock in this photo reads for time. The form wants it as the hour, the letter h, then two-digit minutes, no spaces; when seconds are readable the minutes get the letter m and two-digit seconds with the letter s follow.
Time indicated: 2h05m05s
